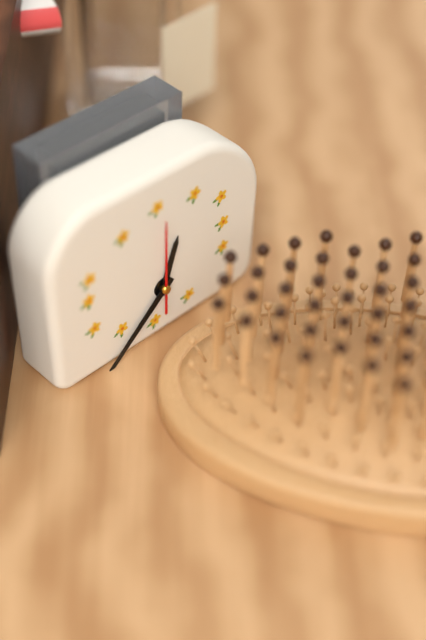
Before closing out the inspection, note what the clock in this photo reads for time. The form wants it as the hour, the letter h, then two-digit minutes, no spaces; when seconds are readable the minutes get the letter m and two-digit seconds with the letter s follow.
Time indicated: 12h38m00s
